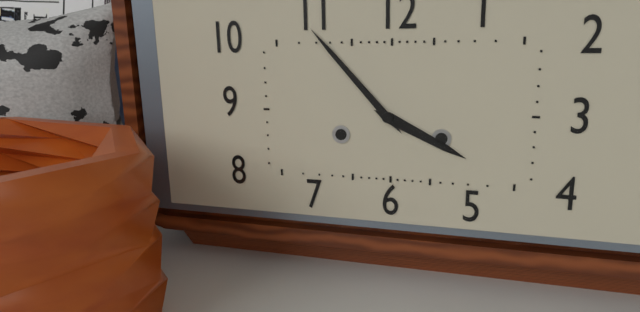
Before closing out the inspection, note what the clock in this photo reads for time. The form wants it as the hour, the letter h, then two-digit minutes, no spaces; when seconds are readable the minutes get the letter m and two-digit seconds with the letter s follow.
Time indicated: 3h53
